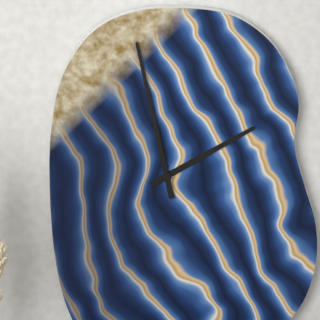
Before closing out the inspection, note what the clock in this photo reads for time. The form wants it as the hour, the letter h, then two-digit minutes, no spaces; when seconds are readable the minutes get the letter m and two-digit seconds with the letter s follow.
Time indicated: 1h58
